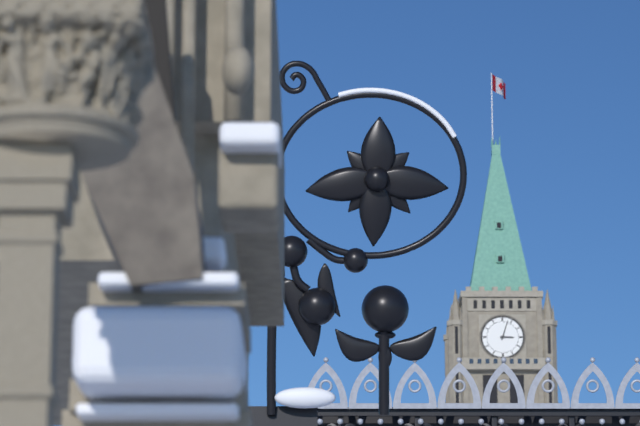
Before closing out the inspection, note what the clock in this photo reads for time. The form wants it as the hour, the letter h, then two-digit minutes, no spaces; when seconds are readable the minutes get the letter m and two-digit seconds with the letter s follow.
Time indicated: 3h03
